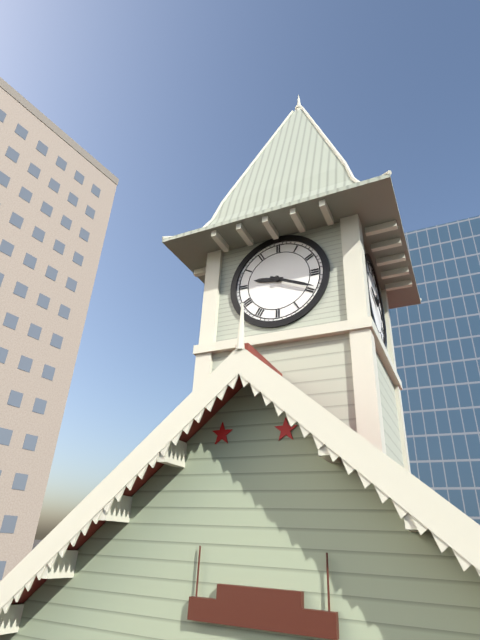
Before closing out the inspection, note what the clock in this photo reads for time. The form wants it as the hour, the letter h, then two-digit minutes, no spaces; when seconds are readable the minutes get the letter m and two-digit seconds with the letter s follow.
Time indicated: 9h19
